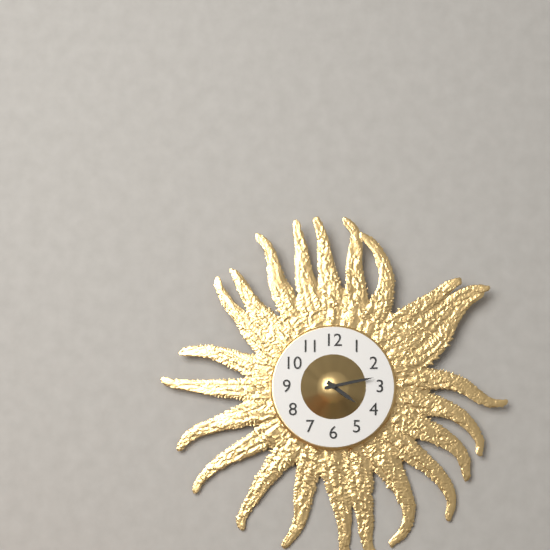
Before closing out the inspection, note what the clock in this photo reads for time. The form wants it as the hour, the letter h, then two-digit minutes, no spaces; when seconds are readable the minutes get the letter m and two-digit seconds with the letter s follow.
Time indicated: 4h13
